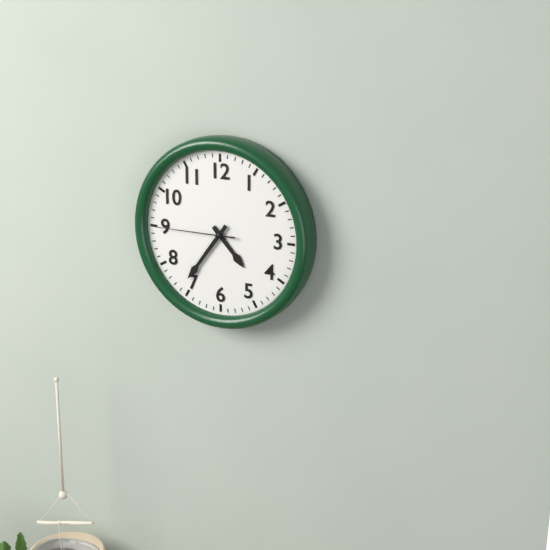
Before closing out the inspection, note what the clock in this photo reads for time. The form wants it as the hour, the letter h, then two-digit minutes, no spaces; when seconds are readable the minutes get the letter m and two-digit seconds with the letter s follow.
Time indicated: 4h36m45s
